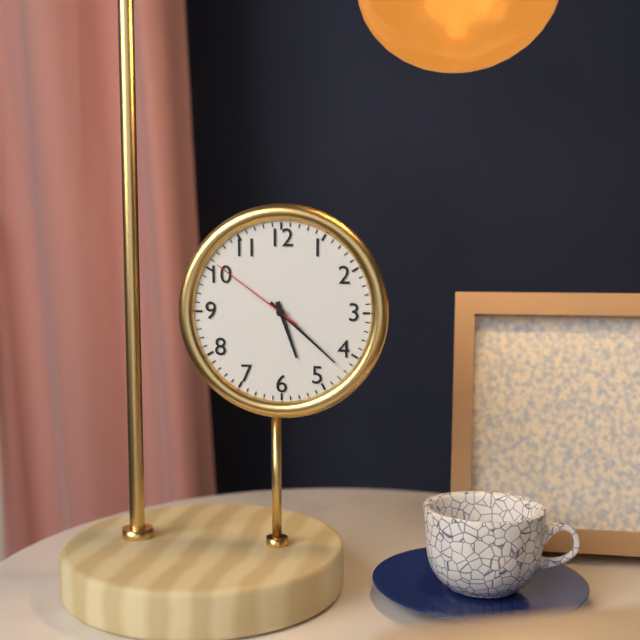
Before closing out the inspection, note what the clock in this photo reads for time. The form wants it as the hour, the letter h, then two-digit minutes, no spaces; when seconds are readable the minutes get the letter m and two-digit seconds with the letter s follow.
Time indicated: 5h22m51s
